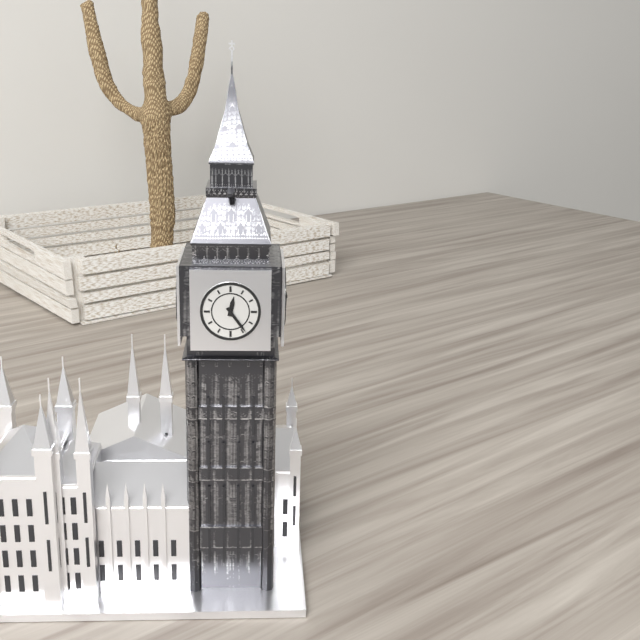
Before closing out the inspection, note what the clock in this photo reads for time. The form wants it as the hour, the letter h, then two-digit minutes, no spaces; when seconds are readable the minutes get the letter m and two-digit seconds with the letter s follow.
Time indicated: 12h24
